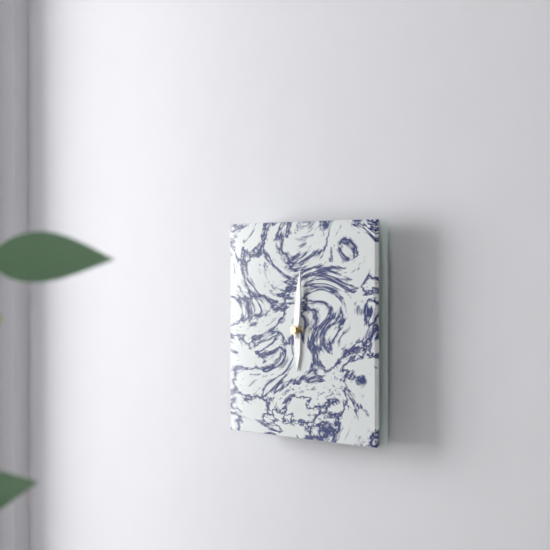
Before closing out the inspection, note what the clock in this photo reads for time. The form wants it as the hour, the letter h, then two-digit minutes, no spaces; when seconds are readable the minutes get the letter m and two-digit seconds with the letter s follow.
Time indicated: 6h01
